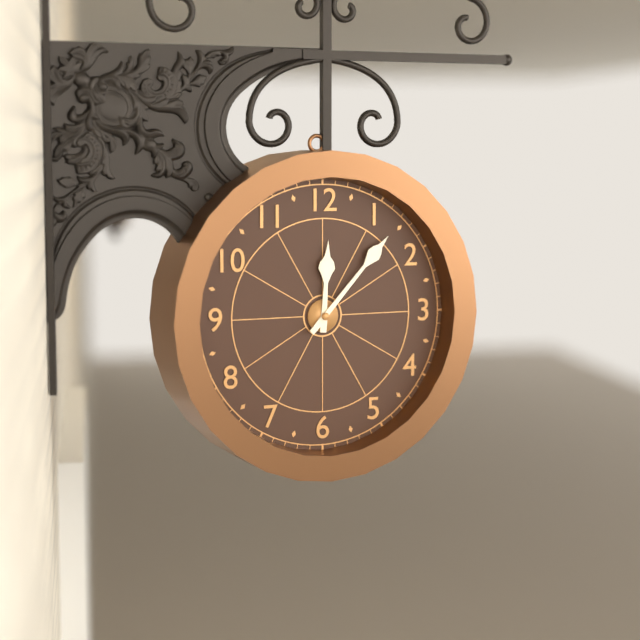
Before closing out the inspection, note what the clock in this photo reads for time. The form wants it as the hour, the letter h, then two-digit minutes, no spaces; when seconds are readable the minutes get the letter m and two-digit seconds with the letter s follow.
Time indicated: 12h07
